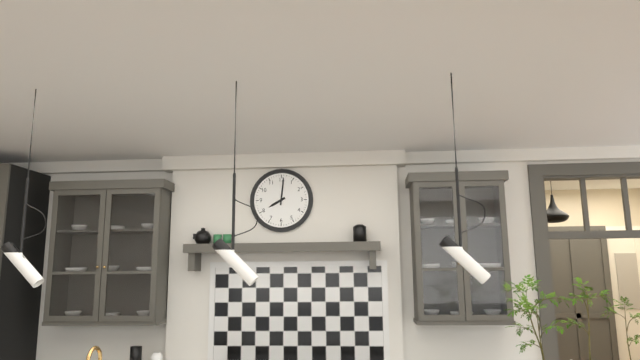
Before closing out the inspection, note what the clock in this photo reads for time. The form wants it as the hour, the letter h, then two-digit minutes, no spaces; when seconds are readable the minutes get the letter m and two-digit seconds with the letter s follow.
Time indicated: 8h01
